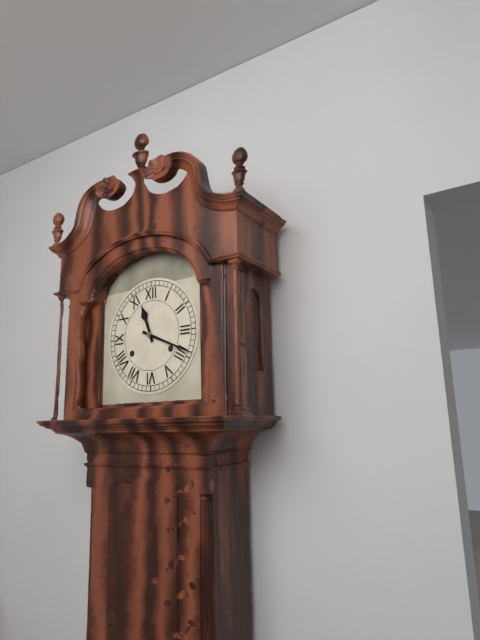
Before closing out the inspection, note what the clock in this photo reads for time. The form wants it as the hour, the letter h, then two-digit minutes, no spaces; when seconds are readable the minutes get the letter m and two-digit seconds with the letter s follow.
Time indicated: 11h19
